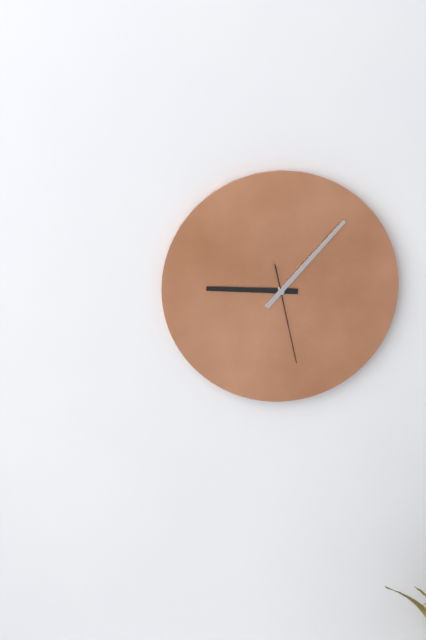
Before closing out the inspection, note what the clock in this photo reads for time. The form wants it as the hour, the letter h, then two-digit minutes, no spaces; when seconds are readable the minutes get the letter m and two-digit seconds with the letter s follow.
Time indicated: 9h07m28s
